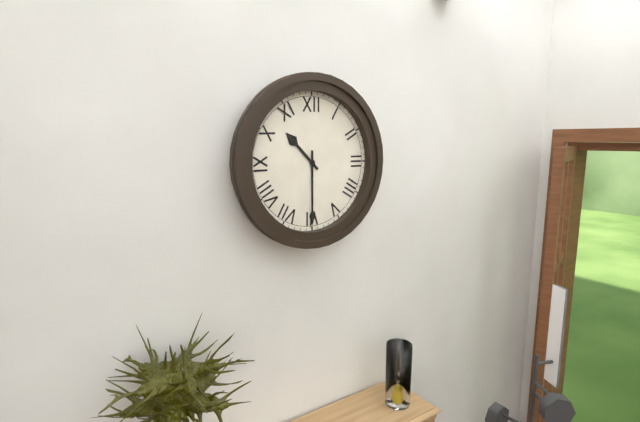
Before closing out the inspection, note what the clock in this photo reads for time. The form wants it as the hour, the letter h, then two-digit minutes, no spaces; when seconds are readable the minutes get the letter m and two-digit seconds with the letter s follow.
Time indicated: 10h30
